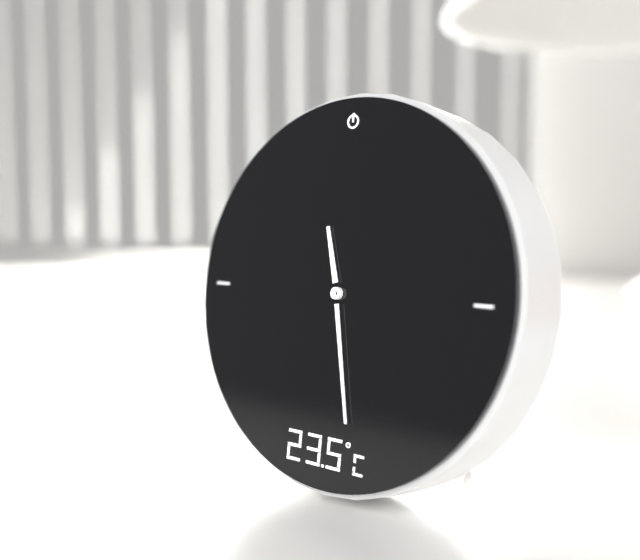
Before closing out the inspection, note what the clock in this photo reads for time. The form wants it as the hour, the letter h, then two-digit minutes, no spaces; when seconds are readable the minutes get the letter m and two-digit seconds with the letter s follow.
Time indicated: 11h28
